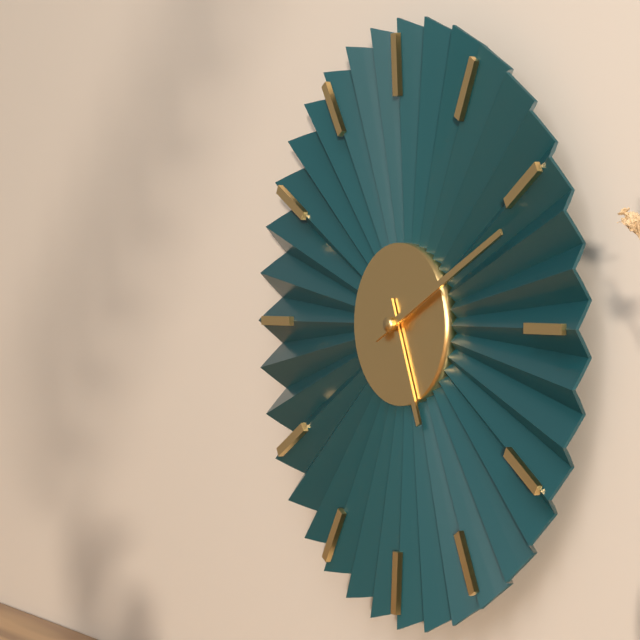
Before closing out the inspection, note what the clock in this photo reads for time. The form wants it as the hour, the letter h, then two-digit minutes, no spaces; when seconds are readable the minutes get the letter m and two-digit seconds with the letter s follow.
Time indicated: 5h11
